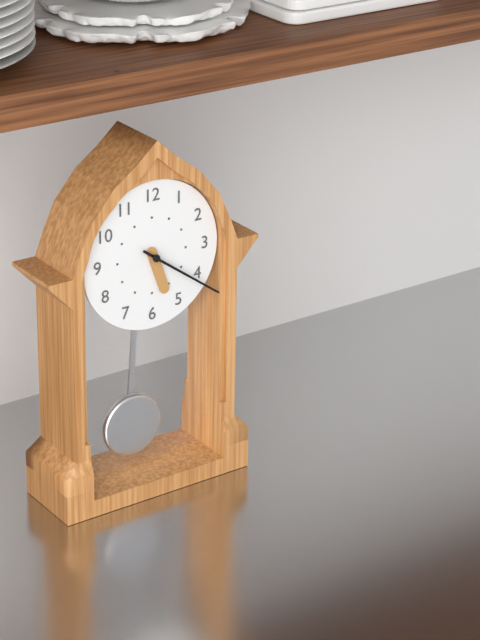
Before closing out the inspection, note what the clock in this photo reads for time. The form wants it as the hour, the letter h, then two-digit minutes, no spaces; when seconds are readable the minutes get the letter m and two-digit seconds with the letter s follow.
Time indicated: 5h21
